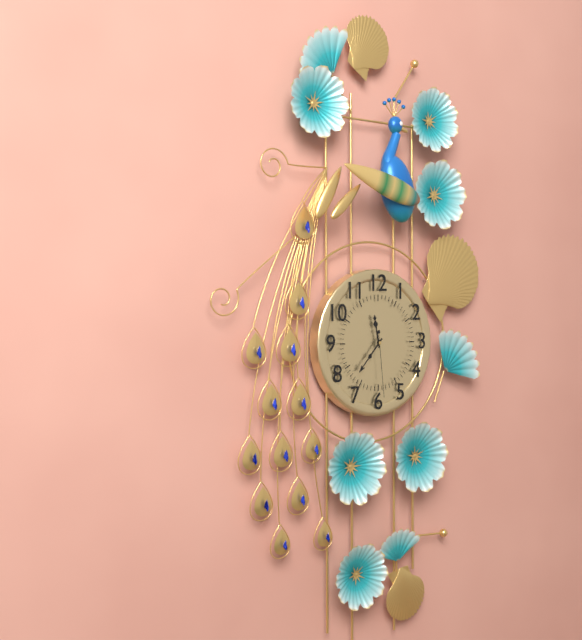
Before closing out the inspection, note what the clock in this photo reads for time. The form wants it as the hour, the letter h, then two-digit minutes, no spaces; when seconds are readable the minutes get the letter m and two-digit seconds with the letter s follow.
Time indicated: 11h37m29s
